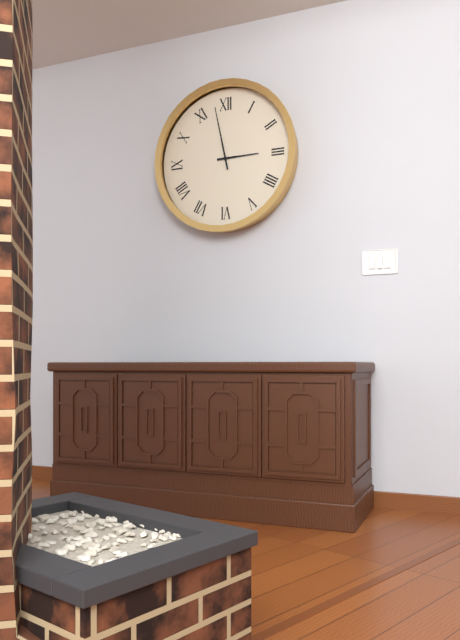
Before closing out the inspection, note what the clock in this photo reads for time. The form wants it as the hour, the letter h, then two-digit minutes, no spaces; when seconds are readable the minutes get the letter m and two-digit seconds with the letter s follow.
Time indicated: 2h58
